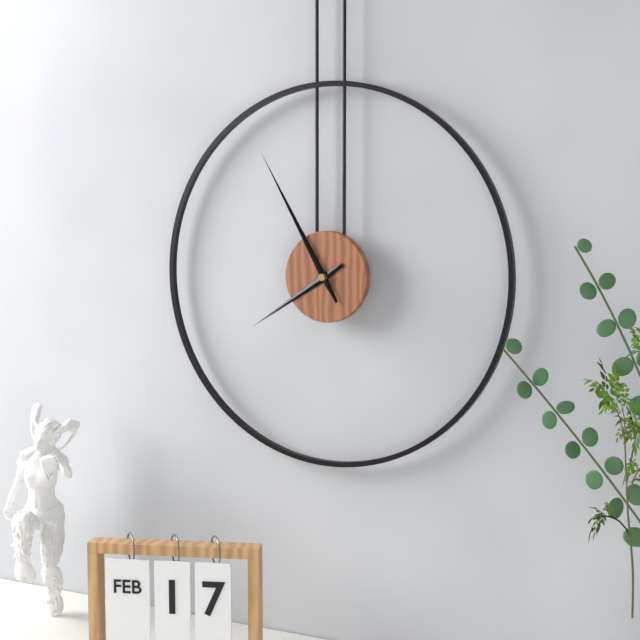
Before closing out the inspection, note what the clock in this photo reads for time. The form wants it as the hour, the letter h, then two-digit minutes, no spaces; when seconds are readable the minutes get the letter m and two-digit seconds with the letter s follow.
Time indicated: 7h55
